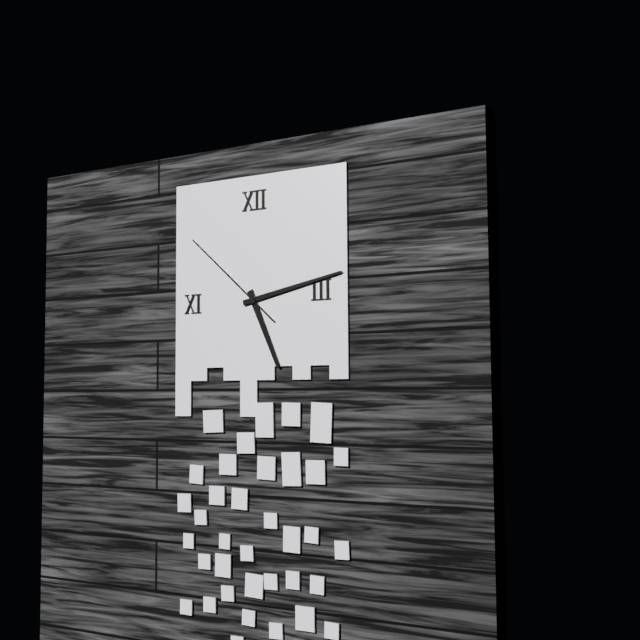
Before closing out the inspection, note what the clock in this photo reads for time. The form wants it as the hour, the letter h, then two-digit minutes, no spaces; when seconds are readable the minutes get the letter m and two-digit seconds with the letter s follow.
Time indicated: 5h13m52s
